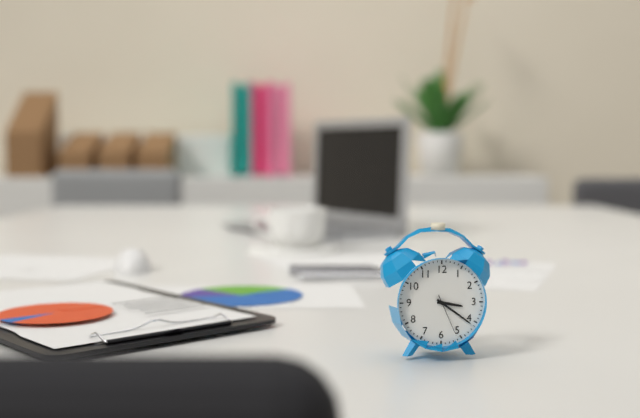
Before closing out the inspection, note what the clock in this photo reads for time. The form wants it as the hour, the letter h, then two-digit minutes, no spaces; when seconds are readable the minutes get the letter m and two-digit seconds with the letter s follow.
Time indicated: 3h21
